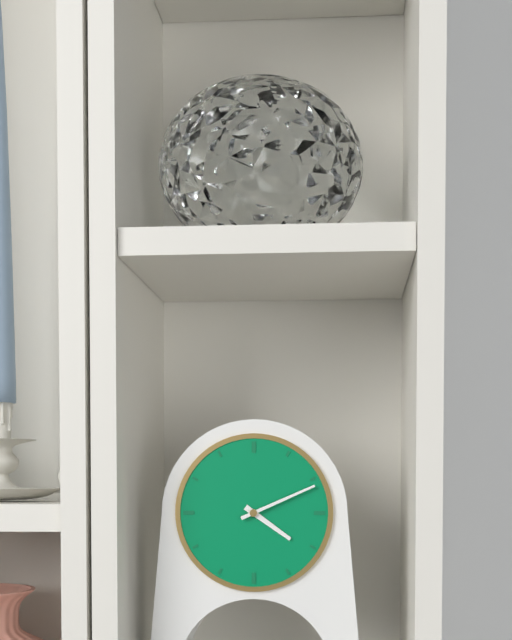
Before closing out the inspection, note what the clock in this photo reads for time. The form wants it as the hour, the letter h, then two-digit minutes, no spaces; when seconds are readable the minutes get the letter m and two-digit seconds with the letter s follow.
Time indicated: 4h11
